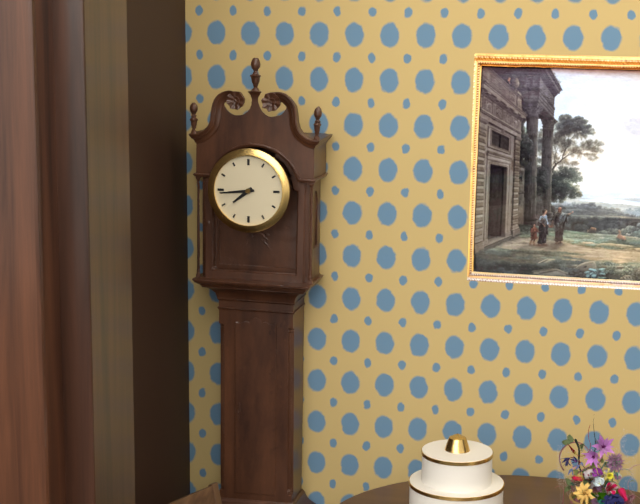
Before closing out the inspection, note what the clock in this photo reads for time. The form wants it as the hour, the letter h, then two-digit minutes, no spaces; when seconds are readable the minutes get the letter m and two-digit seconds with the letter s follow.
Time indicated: 7h44
